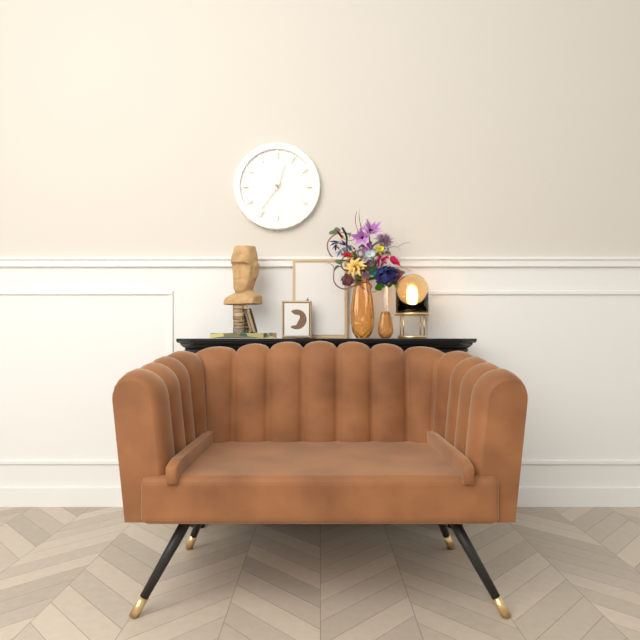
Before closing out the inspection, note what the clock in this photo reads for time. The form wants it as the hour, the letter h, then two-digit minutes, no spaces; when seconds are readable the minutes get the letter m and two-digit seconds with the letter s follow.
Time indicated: 12h36
